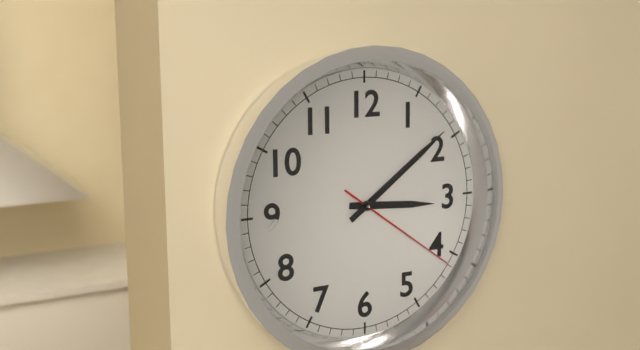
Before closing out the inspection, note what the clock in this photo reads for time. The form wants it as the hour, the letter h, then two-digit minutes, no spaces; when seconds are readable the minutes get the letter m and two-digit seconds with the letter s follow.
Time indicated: 3h09m21s
